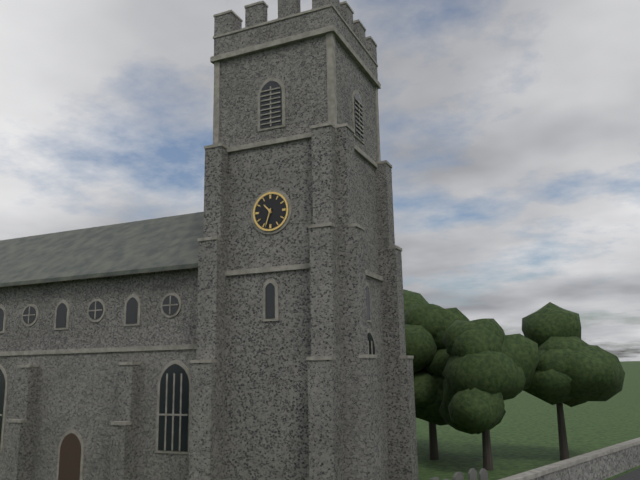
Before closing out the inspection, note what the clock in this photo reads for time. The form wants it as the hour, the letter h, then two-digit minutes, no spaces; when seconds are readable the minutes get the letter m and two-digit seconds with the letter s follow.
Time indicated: 10h33
